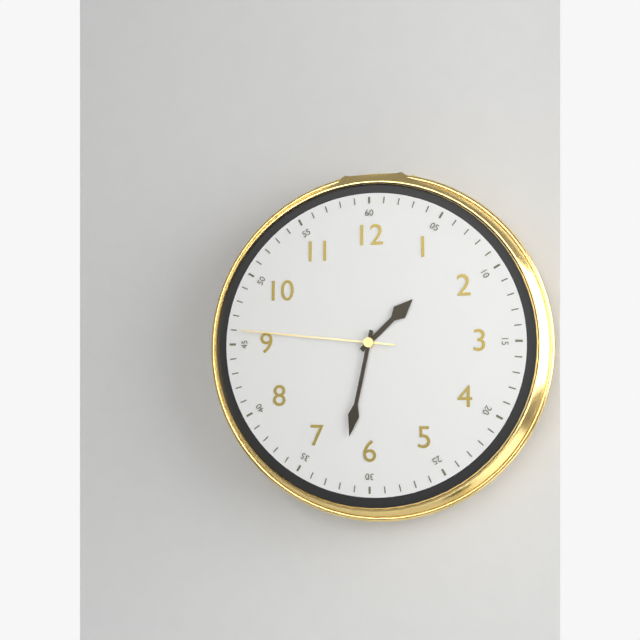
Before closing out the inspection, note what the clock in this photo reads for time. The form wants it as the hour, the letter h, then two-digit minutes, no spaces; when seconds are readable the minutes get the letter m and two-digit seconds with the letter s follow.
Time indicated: 1h32m46s
